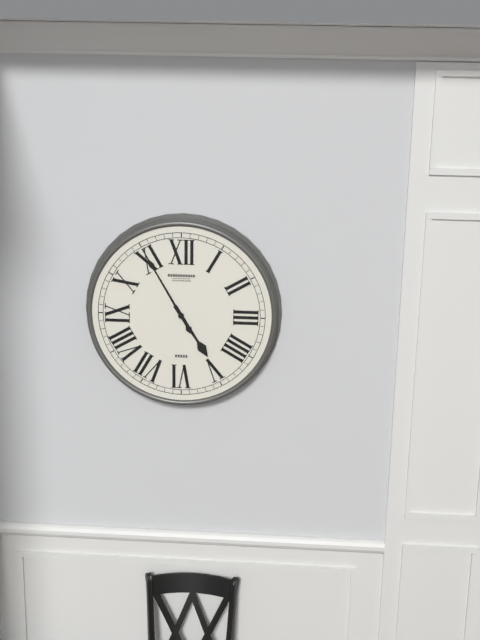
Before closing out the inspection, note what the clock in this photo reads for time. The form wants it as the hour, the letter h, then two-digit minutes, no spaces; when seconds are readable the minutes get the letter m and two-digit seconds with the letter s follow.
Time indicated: 4h55
